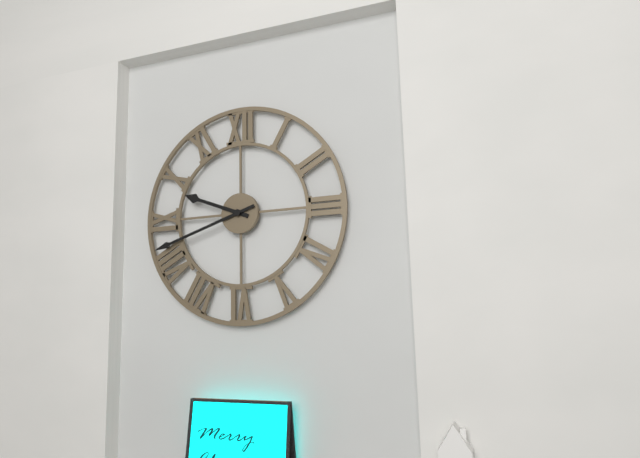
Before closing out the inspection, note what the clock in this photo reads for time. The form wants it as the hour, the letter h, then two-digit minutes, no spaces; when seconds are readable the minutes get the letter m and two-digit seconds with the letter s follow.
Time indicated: 9h42
